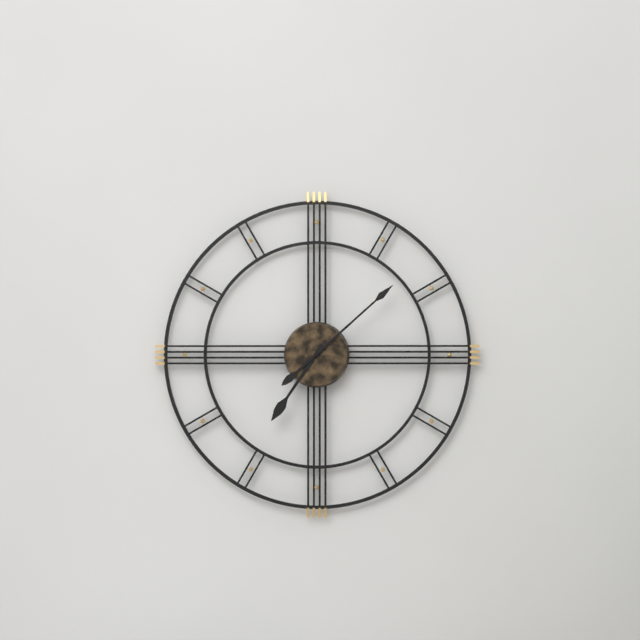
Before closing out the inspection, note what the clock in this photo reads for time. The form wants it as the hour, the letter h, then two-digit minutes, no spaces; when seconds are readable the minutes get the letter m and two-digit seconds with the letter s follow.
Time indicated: 7h08
